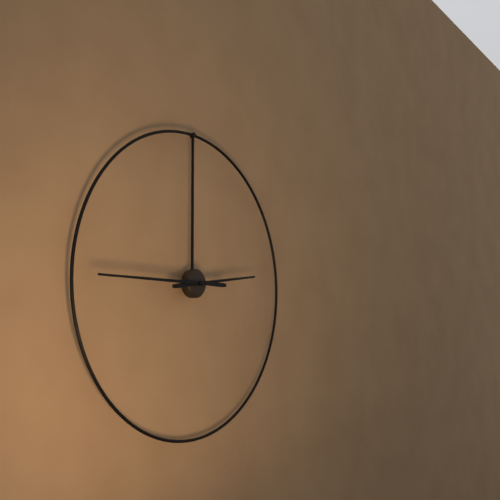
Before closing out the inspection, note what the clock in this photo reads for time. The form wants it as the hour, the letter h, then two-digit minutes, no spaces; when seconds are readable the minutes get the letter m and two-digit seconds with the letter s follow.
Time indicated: 2h45
